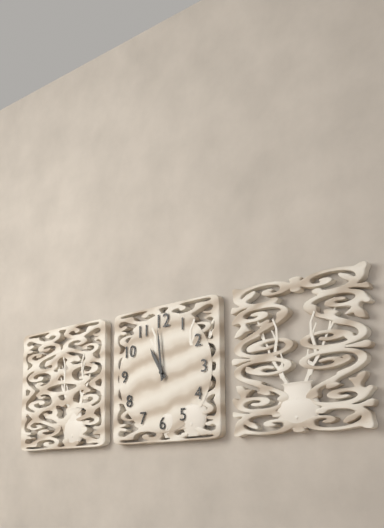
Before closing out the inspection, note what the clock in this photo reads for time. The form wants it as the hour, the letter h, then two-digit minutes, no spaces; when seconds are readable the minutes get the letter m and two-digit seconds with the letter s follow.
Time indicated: 10h59
